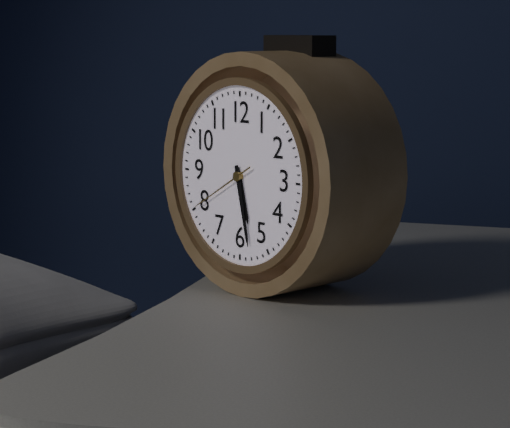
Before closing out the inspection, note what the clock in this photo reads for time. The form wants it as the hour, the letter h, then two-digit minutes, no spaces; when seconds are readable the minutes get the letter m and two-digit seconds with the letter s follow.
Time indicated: 5h28m40s
